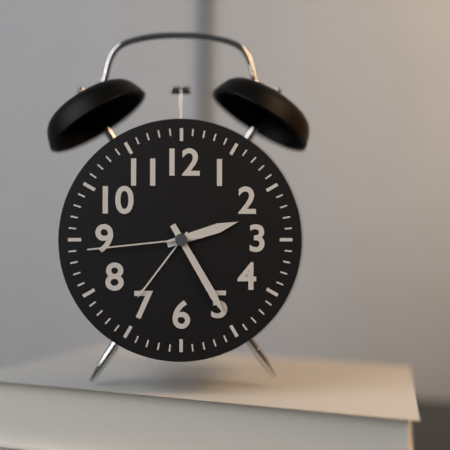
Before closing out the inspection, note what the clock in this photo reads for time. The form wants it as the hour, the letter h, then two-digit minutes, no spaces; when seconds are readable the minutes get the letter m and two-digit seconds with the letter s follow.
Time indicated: 2h25m44s
